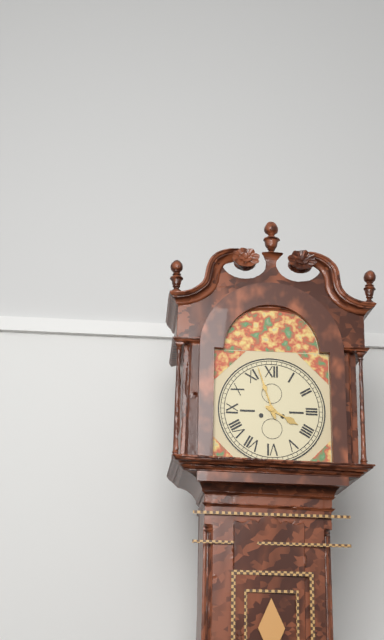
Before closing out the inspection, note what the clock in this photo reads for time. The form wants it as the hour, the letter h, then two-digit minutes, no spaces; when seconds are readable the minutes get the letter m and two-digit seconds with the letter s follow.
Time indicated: 3h57
